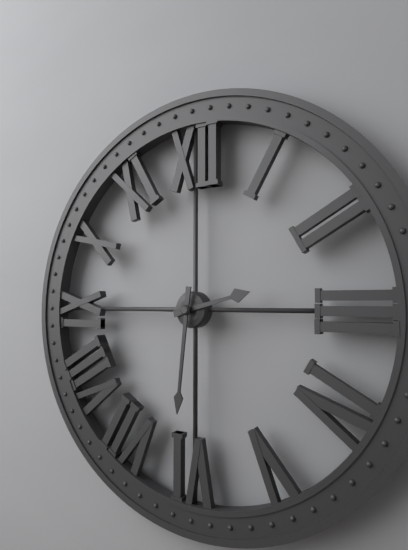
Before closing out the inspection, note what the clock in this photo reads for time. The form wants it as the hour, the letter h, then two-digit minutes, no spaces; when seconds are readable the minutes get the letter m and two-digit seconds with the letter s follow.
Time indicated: 2h31
